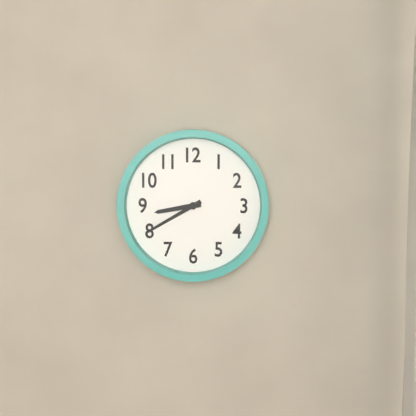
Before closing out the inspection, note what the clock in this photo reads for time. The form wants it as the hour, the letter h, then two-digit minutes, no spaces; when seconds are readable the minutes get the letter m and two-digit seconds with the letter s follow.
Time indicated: 8h40
